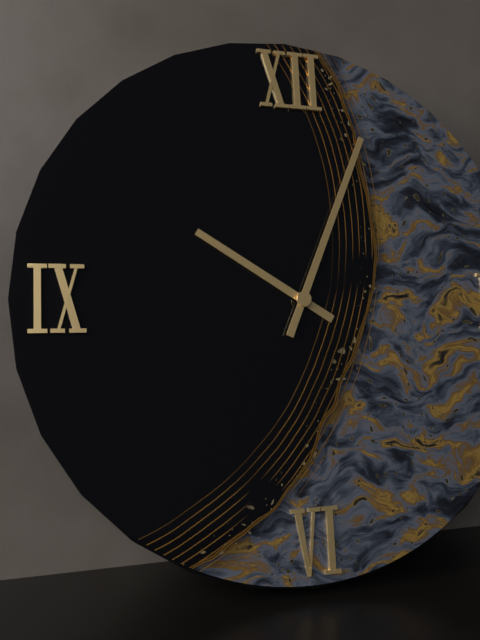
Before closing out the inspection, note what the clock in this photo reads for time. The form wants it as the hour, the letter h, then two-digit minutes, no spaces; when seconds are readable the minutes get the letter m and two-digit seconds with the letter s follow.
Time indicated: 10h04
